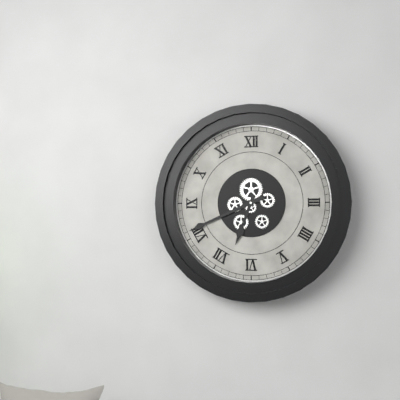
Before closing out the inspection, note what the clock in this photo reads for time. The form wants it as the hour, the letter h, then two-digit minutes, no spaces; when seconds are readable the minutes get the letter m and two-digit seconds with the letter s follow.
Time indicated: 6h41
